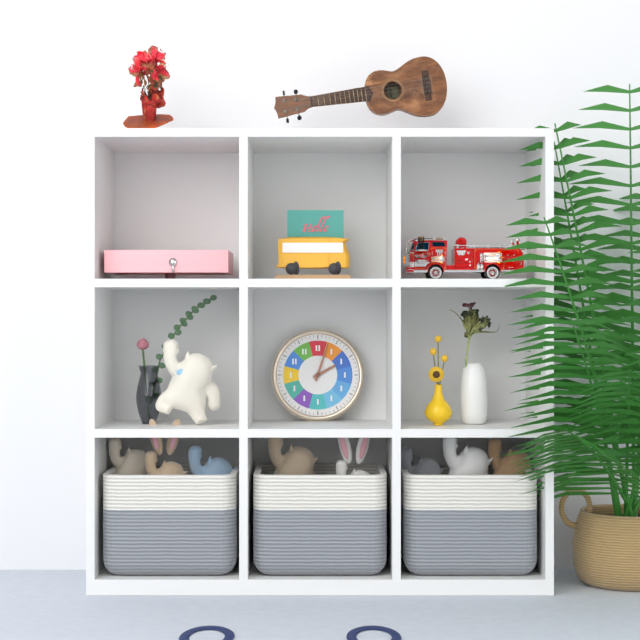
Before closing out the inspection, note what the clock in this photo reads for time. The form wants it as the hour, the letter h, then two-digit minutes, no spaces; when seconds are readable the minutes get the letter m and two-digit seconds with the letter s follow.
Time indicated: 2h03
